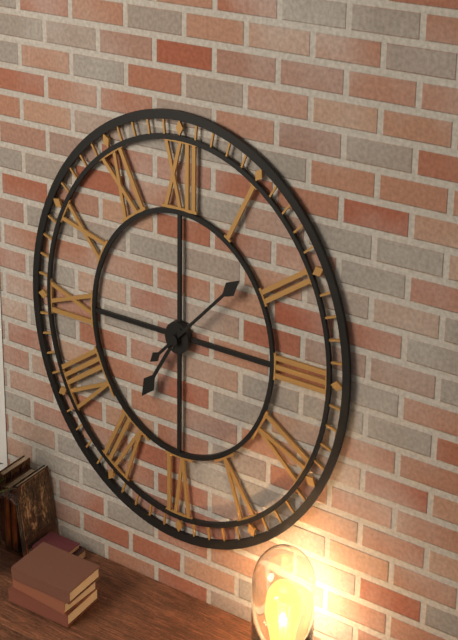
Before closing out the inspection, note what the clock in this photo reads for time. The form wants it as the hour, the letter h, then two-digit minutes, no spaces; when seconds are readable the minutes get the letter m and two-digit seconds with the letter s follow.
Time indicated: 7h08
